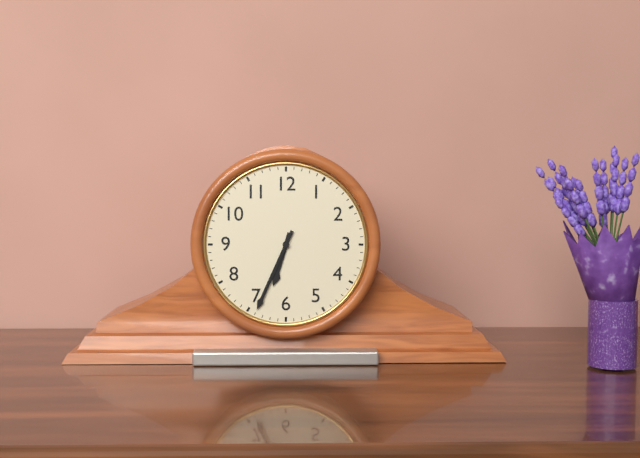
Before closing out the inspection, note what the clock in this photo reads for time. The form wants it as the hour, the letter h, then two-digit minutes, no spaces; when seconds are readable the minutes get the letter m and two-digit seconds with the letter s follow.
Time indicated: 6h34
